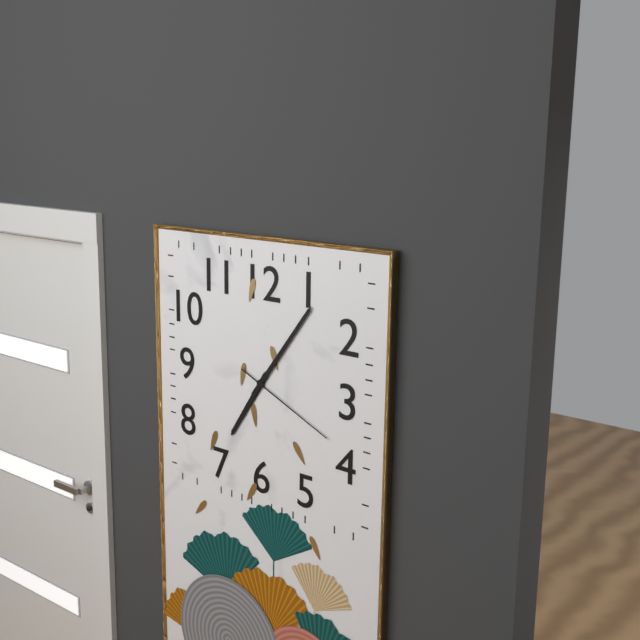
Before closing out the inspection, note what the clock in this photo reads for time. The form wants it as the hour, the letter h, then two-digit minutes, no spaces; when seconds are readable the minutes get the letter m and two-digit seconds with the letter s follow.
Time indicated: 7h06m19s
